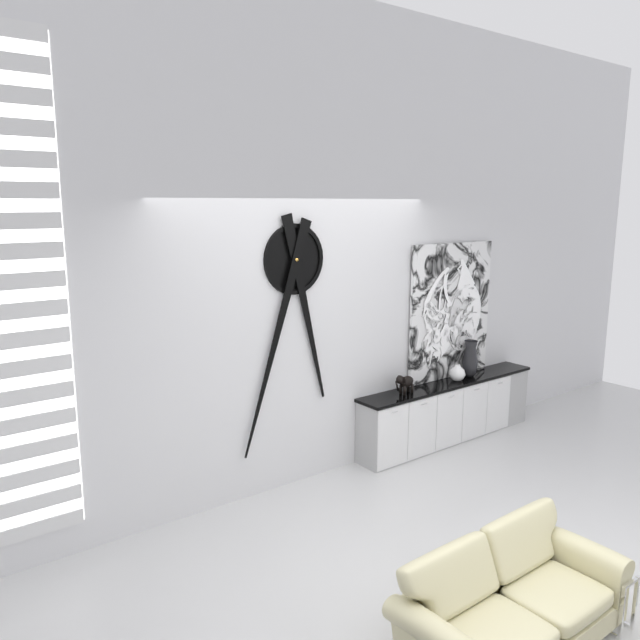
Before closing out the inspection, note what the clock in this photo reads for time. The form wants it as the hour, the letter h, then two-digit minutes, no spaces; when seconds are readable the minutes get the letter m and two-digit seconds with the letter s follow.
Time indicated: 5h33
